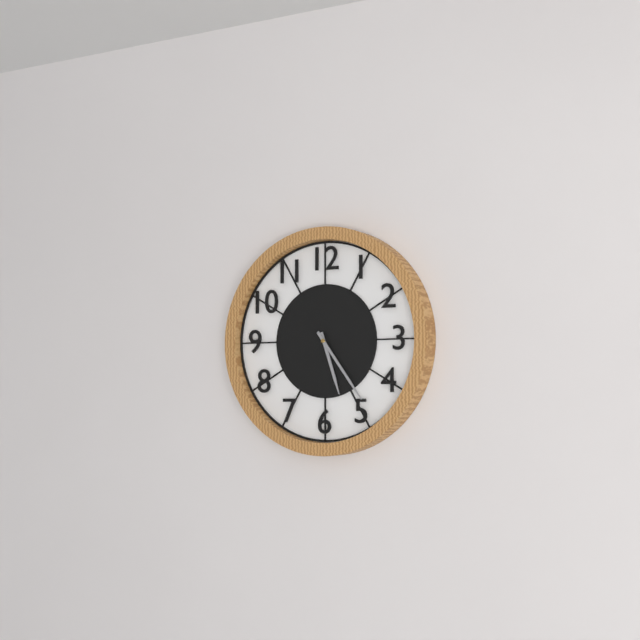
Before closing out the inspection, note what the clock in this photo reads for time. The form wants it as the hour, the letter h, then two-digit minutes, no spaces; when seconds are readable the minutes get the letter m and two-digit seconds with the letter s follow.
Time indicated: 5h24
